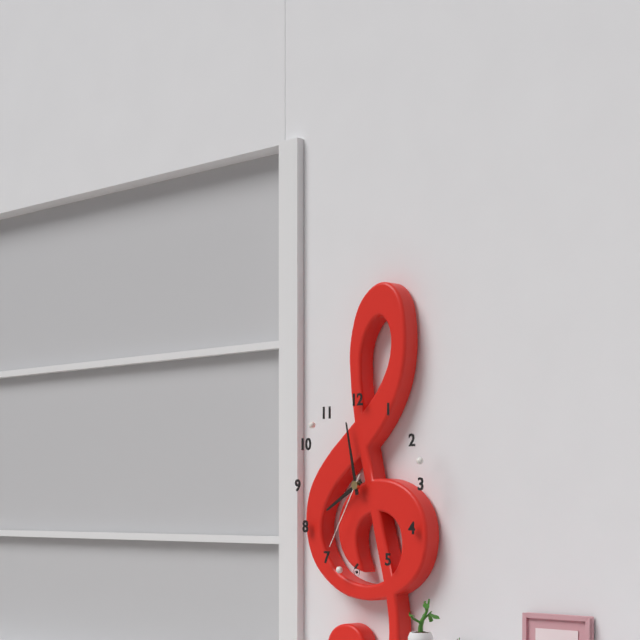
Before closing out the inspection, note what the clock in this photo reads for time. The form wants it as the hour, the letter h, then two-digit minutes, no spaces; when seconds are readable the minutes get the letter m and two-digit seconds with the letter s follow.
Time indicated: 7h58m35s
